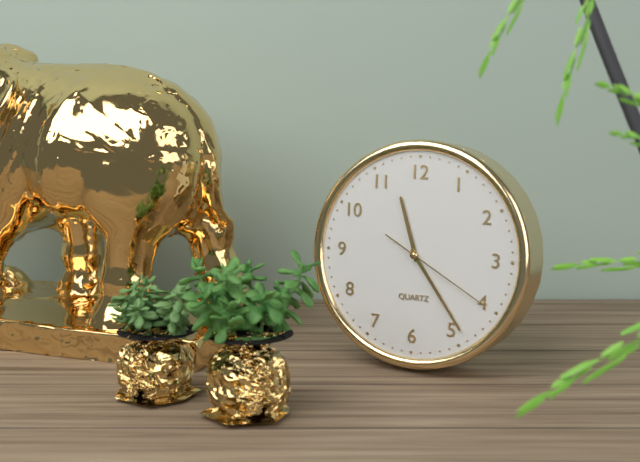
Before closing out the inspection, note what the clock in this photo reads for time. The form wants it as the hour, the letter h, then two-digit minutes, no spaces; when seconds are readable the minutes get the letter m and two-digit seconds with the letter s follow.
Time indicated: 11h24m20s
